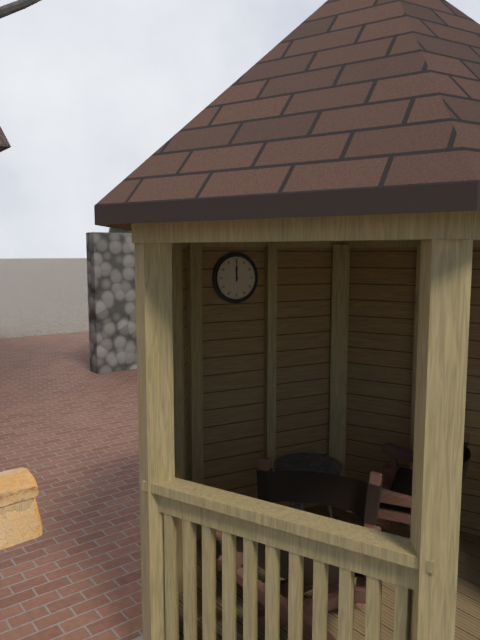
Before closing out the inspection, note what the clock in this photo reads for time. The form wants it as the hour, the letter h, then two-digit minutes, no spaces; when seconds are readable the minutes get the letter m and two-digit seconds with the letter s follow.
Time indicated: 12h00
